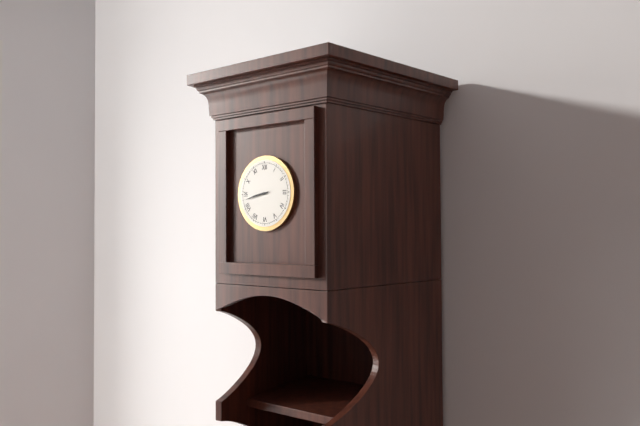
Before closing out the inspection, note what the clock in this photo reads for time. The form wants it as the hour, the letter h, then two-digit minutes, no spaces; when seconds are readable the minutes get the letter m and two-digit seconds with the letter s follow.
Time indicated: 8h43
